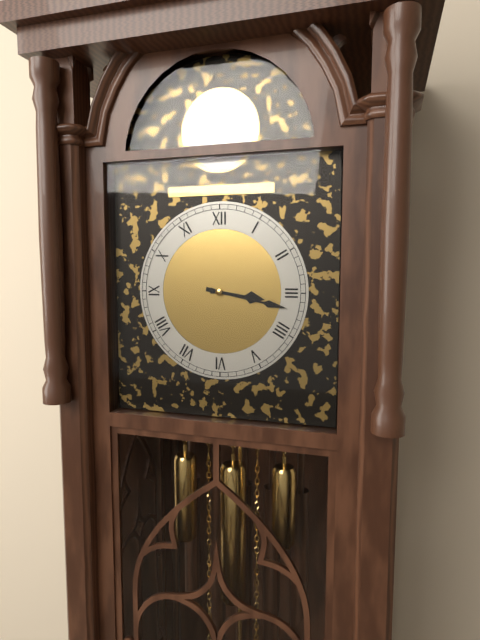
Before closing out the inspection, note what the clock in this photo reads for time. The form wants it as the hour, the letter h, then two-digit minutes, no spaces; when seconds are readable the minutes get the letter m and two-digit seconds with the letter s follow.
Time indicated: 3h17
